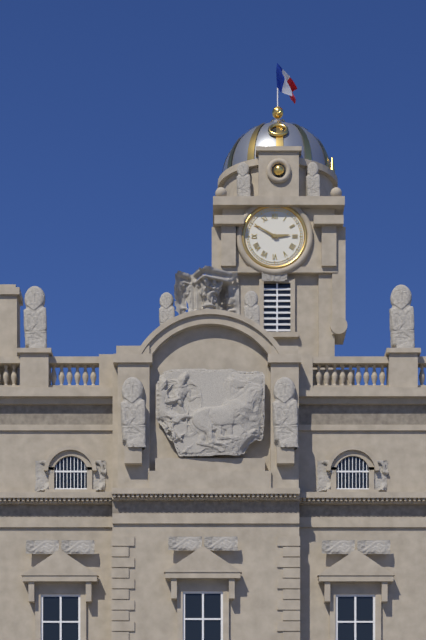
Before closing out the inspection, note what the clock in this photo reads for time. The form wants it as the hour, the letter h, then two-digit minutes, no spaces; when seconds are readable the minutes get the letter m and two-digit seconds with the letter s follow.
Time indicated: 2h50
